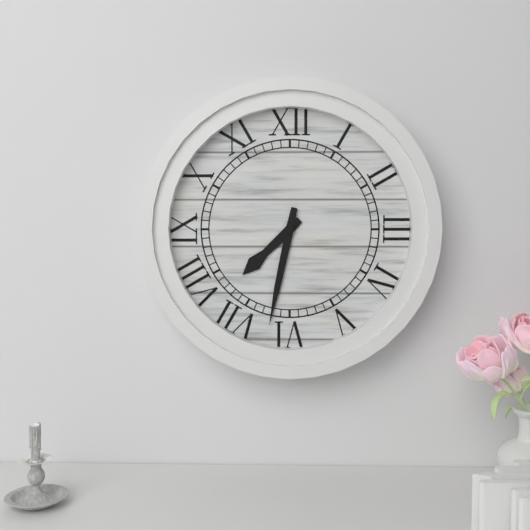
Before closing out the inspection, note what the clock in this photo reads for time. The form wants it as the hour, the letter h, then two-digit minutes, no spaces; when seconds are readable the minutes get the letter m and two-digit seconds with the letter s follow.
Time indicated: 7h32
